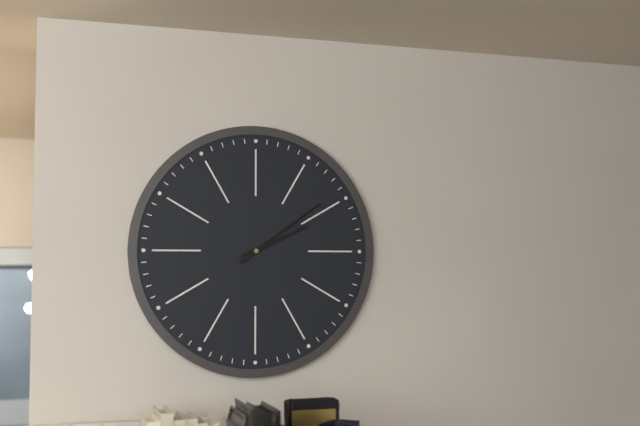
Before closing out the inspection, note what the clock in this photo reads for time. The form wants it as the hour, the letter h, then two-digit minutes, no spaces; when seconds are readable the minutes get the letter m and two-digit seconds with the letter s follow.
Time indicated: 2h09
